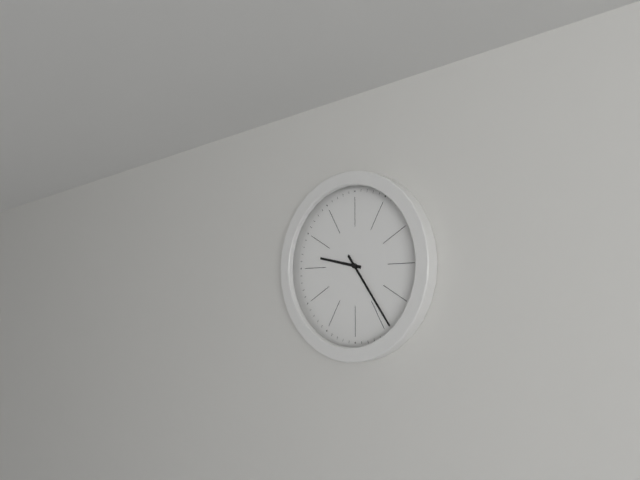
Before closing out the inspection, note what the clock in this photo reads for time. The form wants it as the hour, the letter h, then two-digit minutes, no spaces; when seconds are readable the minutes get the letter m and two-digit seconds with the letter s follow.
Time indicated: 9h24
